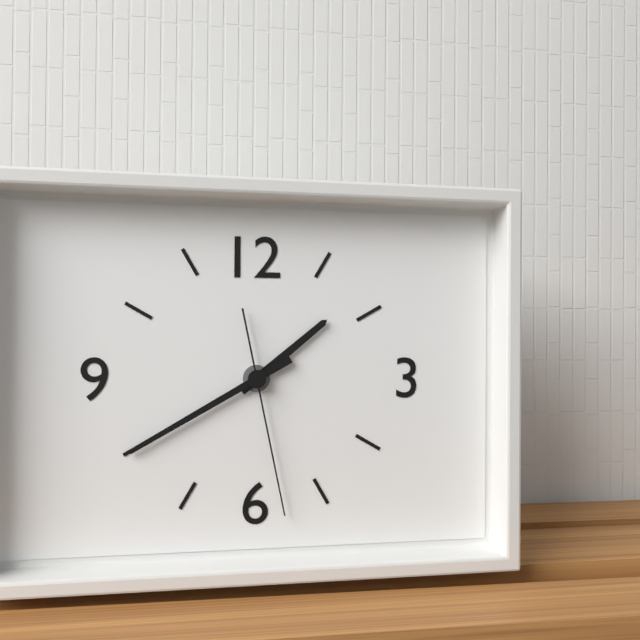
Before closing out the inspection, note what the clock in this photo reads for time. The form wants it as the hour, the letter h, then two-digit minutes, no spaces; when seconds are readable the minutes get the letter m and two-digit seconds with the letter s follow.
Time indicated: 1h40m28s
